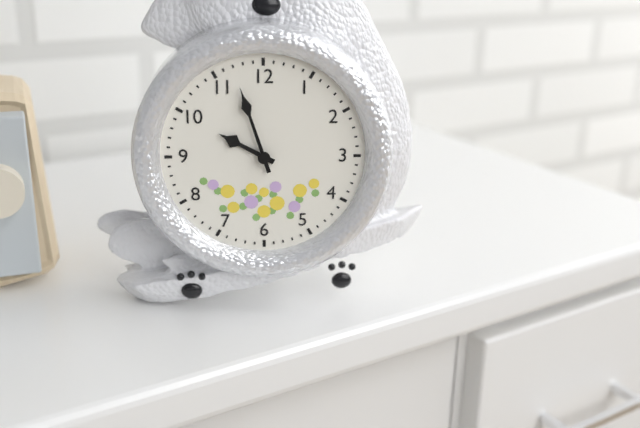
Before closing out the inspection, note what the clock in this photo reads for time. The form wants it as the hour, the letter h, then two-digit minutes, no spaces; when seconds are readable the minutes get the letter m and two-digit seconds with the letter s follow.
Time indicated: 9h57
